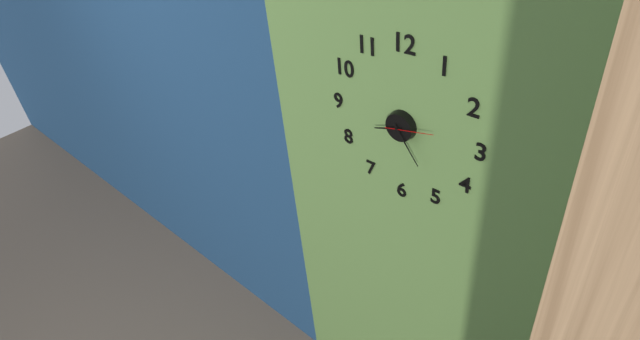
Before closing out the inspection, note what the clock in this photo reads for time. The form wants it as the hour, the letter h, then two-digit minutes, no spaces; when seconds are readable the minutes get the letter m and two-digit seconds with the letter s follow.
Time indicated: 8h24
